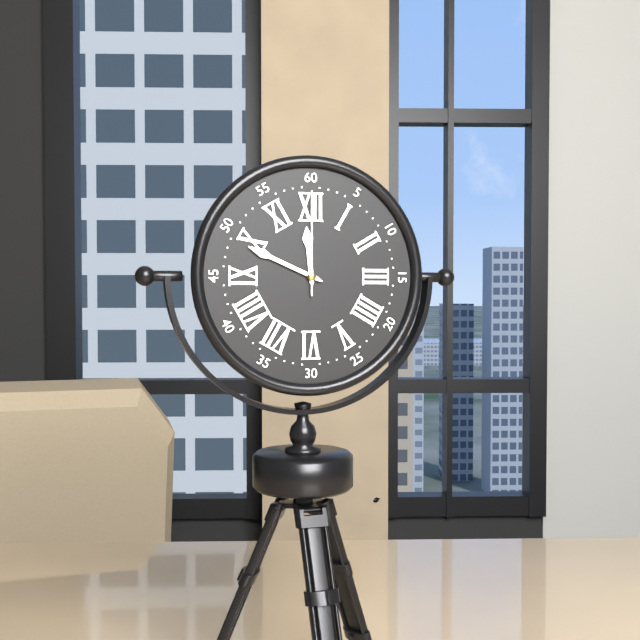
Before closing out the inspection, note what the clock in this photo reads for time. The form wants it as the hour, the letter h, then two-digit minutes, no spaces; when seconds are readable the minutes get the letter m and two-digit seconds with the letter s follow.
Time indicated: 11h49m00s
